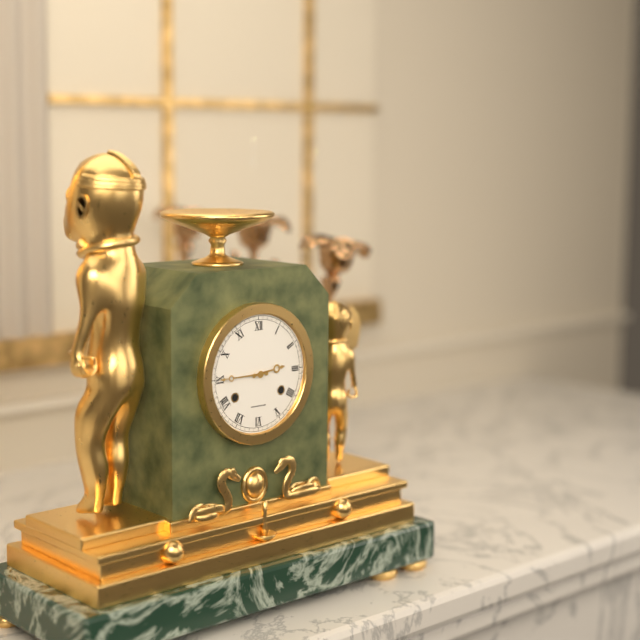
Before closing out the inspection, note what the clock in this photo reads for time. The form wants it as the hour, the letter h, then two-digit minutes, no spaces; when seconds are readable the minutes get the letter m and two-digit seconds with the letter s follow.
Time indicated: 2h45
